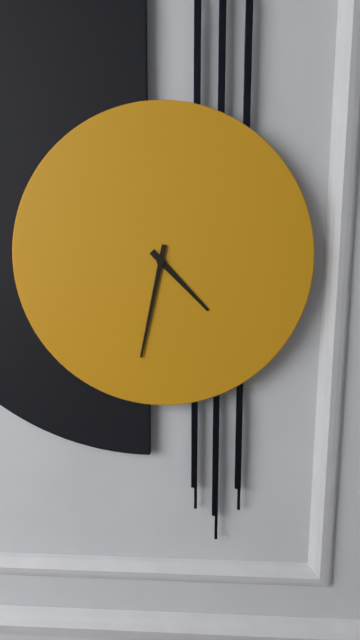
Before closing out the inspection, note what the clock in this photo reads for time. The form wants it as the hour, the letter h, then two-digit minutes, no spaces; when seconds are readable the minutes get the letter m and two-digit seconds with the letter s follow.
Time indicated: 4h32
